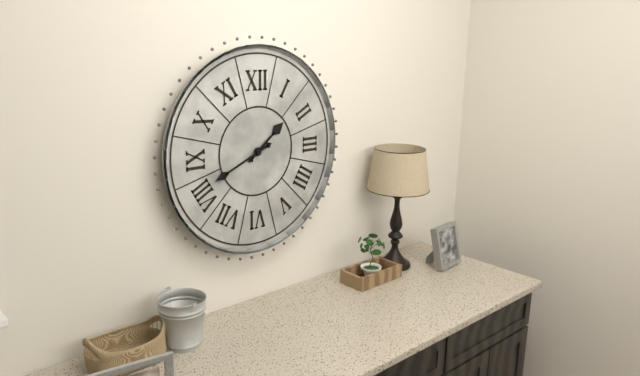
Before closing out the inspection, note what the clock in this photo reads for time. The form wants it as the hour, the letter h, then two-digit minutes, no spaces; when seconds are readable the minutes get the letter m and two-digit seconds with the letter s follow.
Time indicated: 1h41
